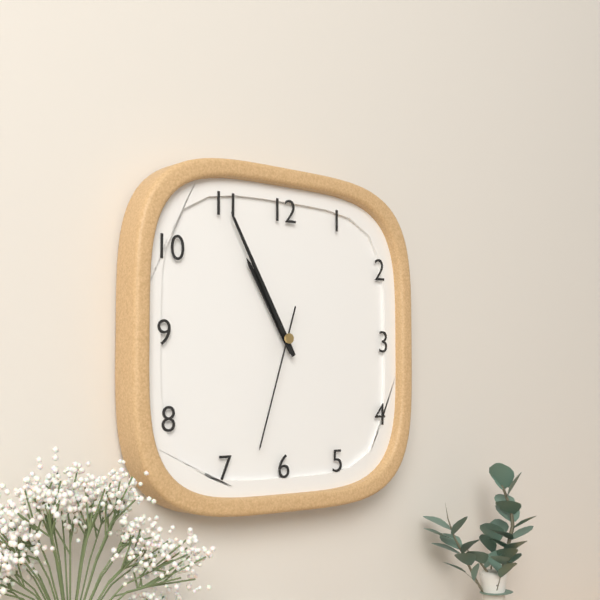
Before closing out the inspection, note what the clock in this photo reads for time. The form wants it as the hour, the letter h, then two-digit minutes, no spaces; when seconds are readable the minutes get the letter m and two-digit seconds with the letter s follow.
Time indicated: 10h55m33s
